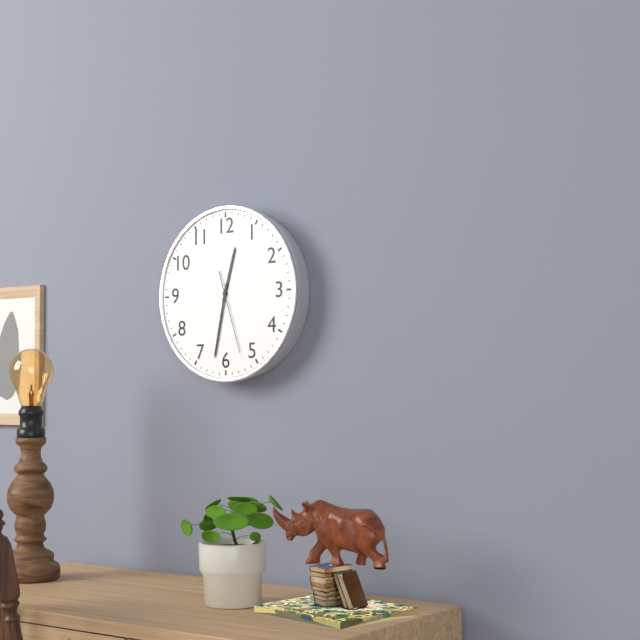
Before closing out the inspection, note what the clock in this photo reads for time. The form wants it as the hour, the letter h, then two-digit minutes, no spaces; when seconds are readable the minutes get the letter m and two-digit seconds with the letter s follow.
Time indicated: 12h32m27s
